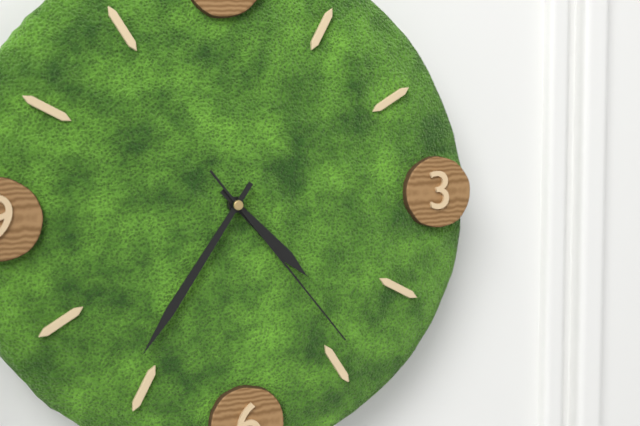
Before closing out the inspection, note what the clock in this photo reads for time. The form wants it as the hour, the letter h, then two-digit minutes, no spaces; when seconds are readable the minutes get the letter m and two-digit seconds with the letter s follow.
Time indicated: 4h36m24s
